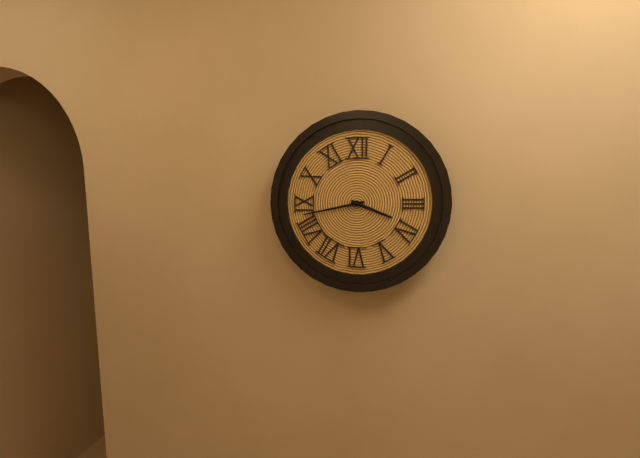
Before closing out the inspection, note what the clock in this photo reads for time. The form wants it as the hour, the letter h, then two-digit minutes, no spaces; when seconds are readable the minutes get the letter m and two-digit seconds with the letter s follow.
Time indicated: 3h43
